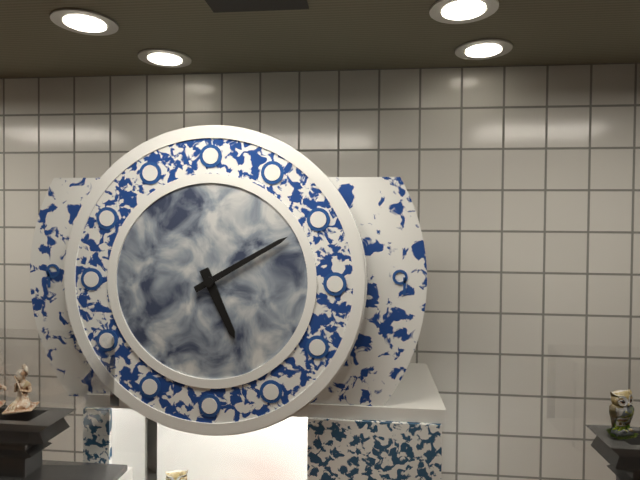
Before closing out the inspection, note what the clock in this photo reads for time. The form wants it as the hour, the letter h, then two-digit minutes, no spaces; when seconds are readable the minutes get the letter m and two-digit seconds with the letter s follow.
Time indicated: 5h10
